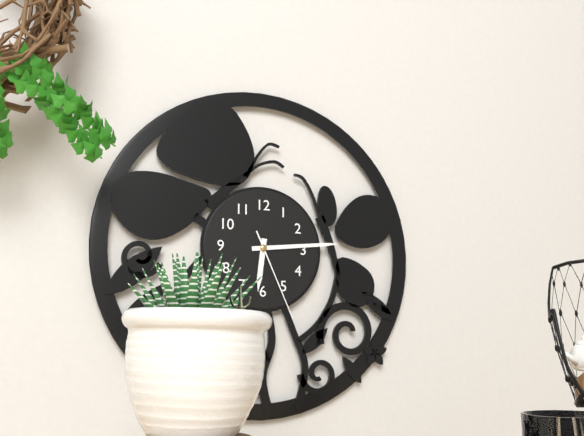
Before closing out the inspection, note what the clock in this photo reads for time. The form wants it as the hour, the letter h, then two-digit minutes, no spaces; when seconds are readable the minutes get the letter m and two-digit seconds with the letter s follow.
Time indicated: 6h14m26s
